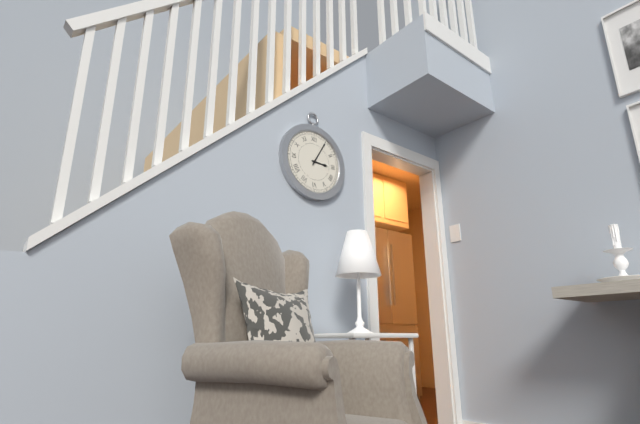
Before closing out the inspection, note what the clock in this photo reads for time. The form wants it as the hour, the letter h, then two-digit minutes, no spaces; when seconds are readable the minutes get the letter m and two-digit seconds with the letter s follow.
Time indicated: 3h05
